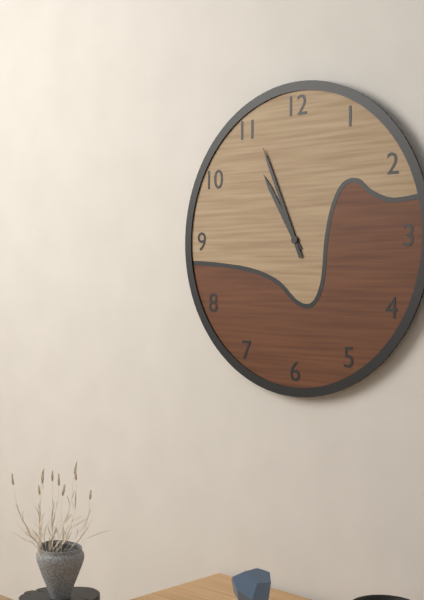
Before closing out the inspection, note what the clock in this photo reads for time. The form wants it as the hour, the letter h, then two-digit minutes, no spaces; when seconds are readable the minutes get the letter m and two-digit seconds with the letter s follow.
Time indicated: 10h56
